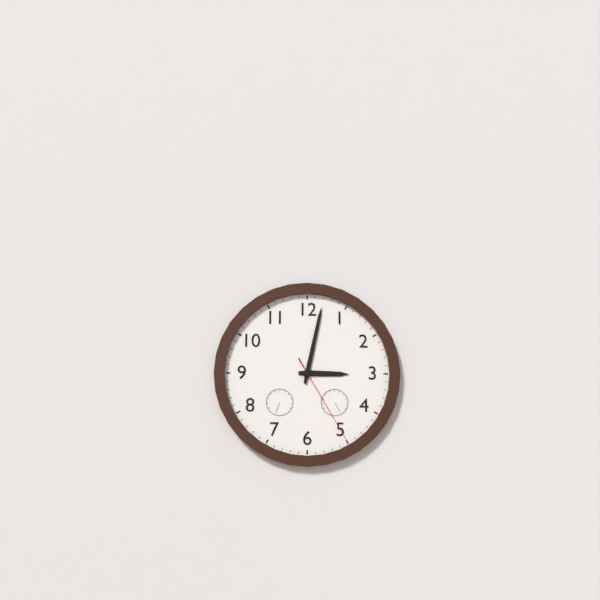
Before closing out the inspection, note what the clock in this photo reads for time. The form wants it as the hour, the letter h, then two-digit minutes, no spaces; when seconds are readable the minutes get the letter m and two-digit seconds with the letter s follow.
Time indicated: 3h02m25s
